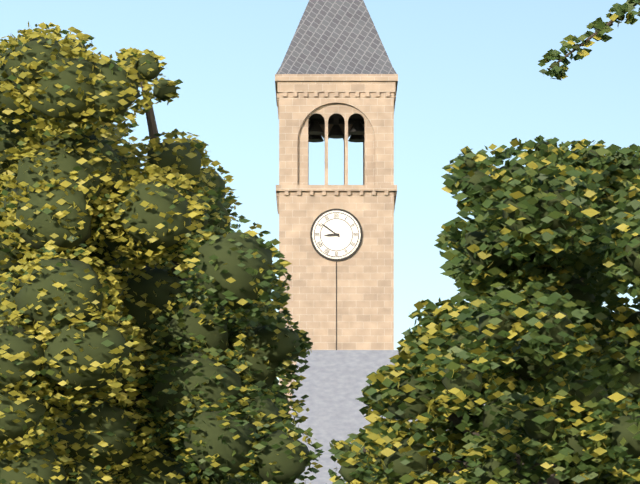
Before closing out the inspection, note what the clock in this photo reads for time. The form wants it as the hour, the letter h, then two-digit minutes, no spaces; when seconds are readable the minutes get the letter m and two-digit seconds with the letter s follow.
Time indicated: 8h51
